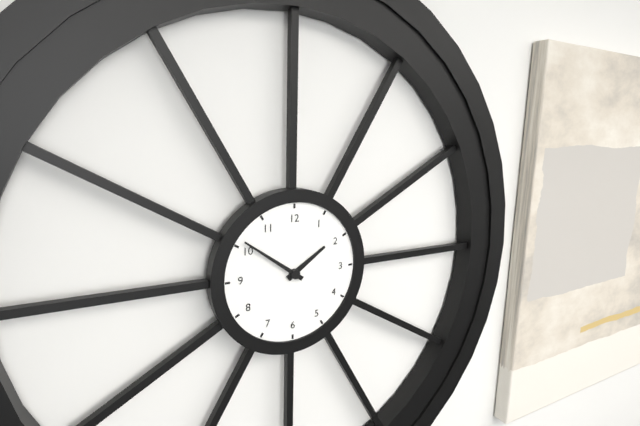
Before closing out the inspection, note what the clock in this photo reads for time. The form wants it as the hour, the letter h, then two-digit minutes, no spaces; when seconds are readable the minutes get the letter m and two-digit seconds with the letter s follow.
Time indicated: 1h51
